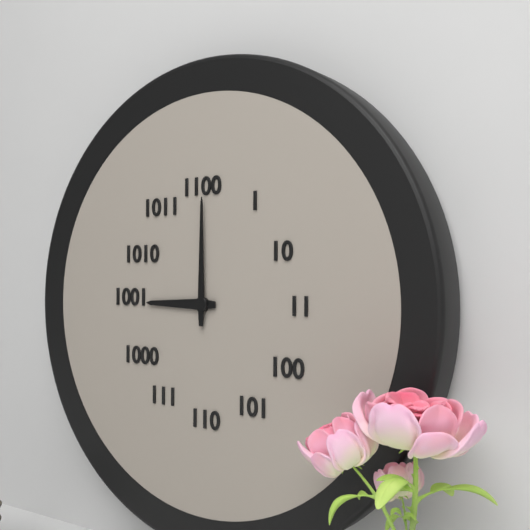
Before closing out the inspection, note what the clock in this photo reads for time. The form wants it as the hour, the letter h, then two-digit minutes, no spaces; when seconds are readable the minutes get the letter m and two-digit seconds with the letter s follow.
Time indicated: 9h00
